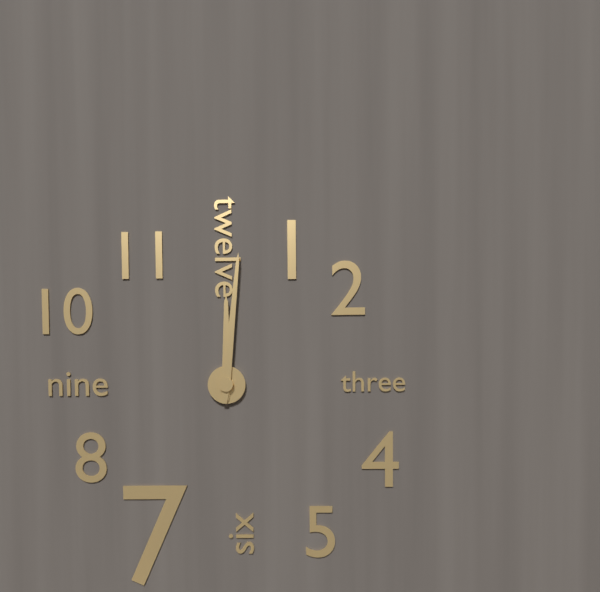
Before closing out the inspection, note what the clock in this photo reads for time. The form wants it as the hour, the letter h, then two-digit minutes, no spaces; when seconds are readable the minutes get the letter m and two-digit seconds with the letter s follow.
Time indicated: 12h01
